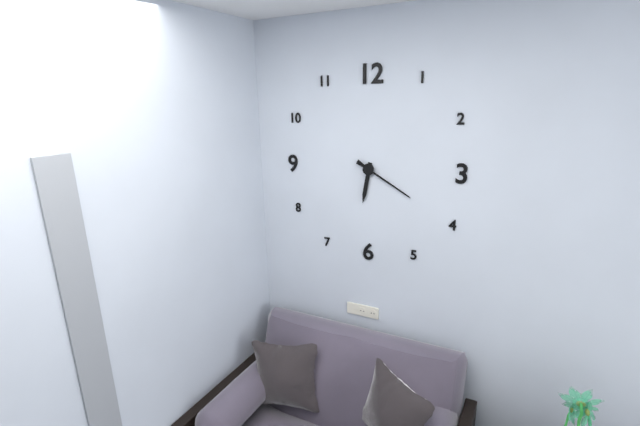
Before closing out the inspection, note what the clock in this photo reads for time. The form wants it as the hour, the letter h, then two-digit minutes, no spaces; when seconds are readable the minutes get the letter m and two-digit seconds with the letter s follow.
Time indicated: 6h20
